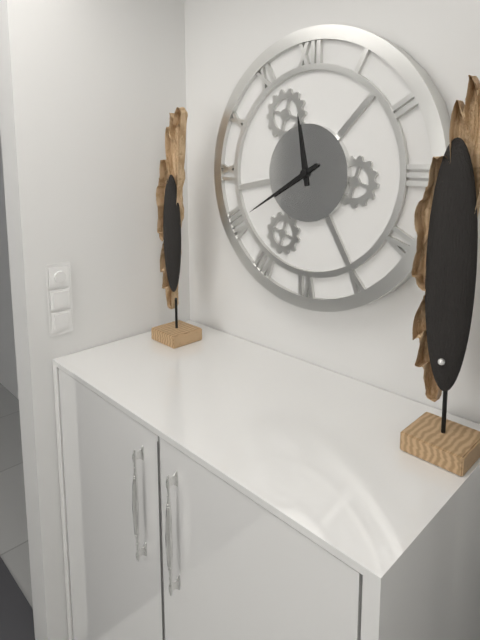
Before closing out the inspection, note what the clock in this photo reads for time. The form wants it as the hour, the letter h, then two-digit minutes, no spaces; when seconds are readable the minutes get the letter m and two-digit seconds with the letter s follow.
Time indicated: 11h40
